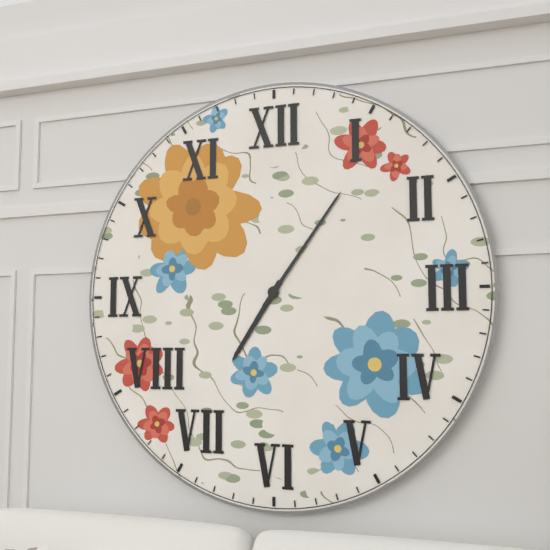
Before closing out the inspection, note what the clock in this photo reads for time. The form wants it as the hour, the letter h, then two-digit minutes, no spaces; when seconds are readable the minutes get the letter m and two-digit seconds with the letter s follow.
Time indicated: 7h06
